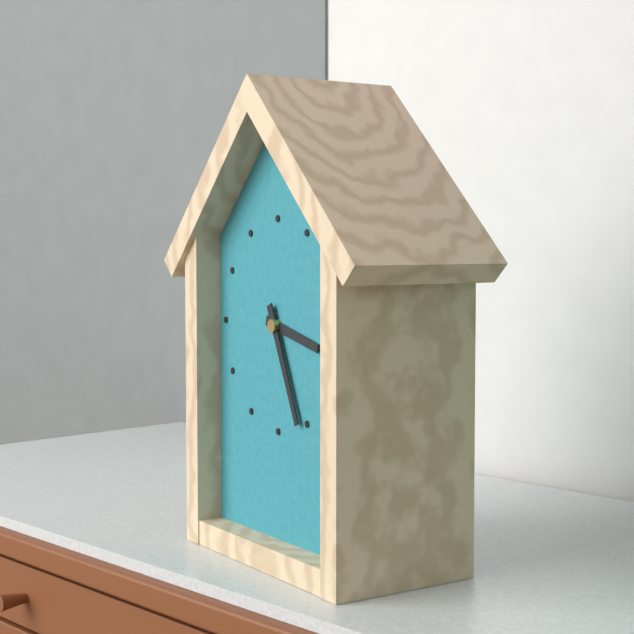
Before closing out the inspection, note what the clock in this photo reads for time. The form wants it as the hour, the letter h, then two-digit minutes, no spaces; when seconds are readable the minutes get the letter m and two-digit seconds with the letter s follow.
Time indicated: 3h26
